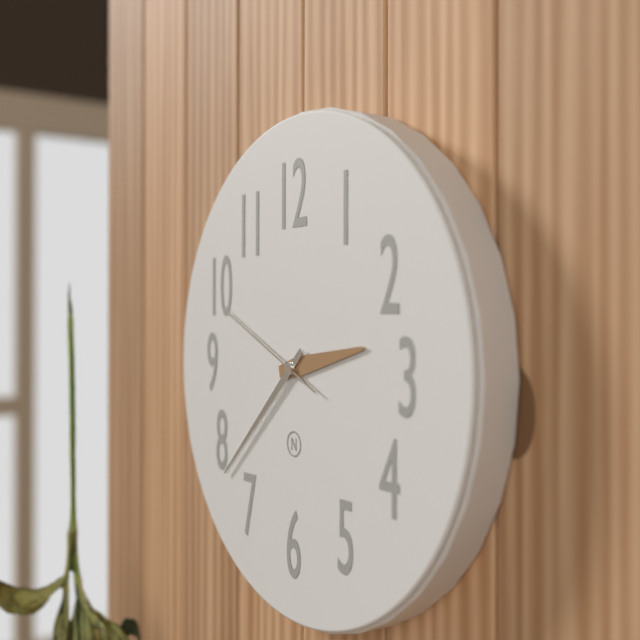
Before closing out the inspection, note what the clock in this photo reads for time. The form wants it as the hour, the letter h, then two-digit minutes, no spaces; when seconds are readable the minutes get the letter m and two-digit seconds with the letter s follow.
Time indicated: 2h38m49s
